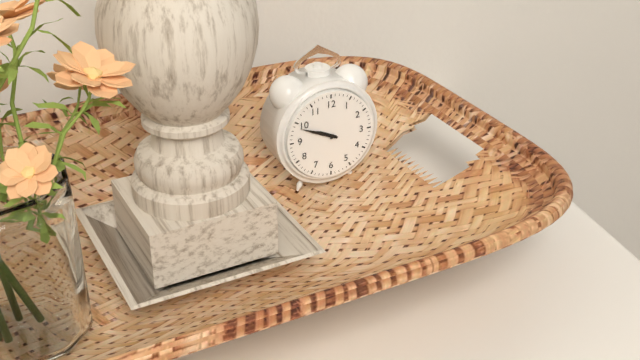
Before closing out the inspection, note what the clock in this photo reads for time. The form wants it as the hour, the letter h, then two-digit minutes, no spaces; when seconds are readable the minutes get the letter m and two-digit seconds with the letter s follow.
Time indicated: 9h49
